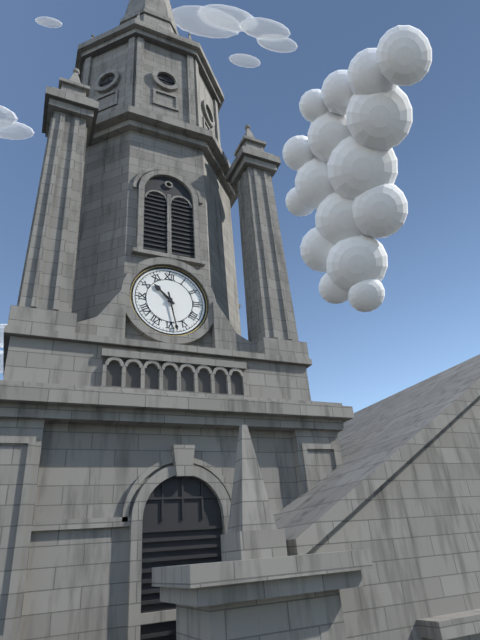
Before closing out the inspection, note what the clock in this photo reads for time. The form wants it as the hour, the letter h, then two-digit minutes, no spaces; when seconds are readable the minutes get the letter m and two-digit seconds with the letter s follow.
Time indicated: 10h28
